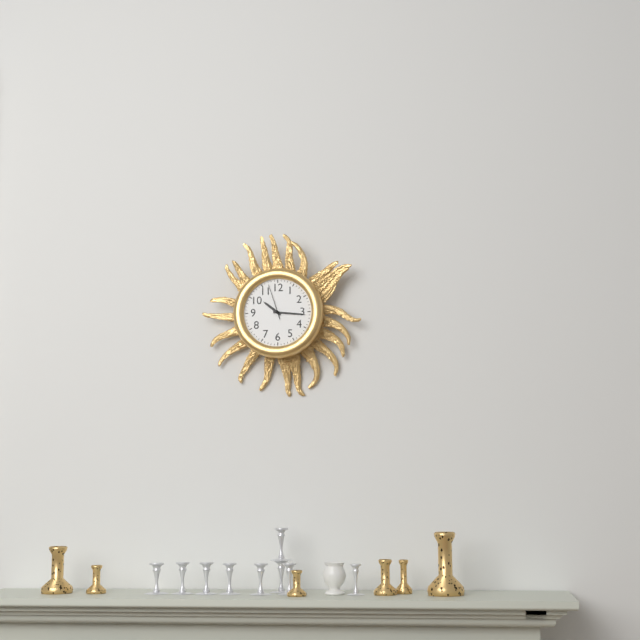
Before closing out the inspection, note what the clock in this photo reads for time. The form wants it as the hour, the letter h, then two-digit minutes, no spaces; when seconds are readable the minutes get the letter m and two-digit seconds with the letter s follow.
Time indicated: 10h16
